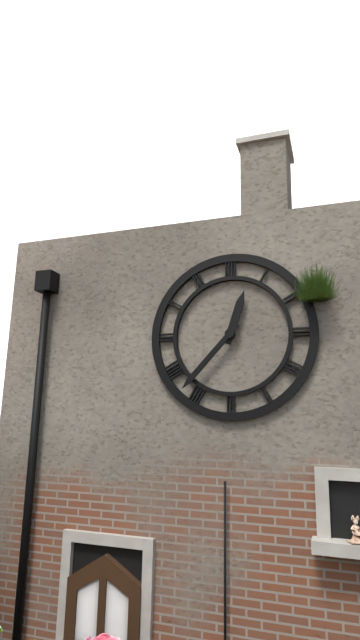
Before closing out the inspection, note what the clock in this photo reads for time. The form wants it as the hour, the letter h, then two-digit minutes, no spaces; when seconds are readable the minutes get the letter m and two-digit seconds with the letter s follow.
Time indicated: 12h37
